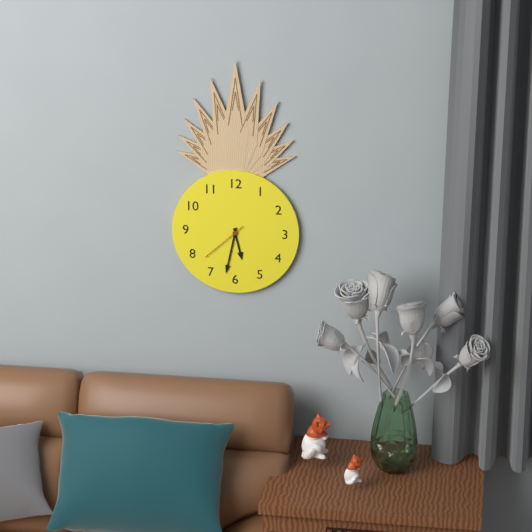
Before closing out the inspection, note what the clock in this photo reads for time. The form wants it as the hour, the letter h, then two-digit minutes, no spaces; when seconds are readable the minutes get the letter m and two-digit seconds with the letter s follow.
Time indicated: 5h32
